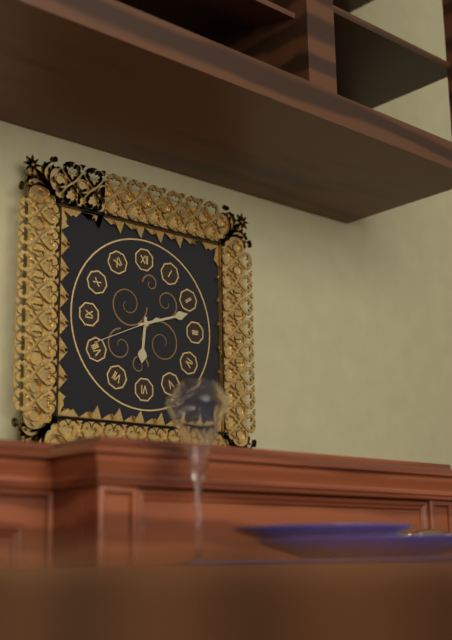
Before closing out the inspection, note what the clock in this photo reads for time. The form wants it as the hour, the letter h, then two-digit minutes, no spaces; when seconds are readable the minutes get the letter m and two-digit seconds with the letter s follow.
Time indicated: 6h12m41s
